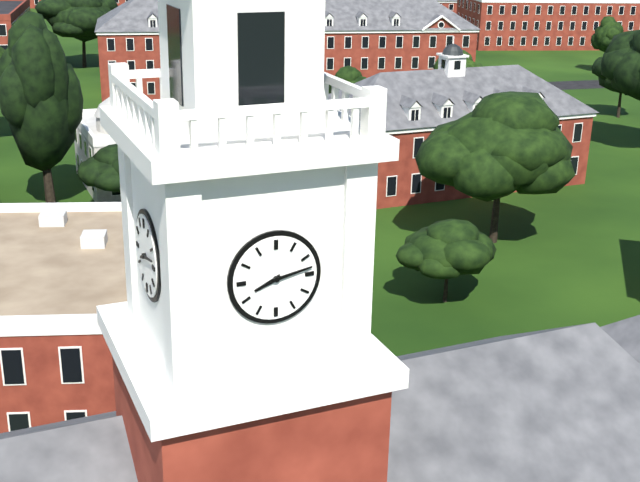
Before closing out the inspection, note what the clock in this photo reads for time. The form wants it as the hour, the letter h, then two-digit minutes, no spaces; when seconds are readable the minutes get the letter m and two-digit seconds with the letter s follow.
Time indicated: 8h13
